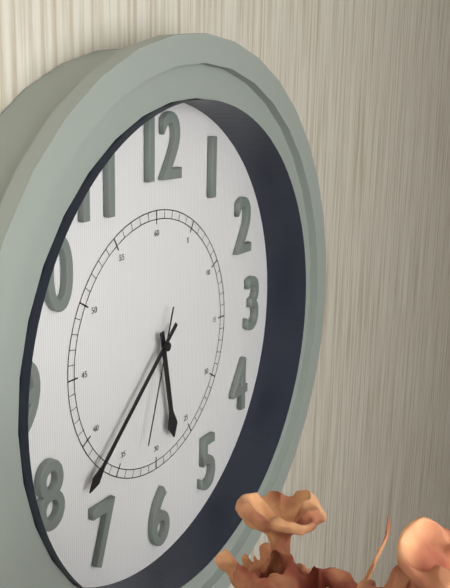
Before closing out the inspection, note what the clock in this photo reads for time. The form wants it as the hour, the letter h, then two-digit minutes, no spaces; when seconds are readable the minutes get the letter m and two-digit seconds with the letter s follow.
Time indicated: 5h38m33s
